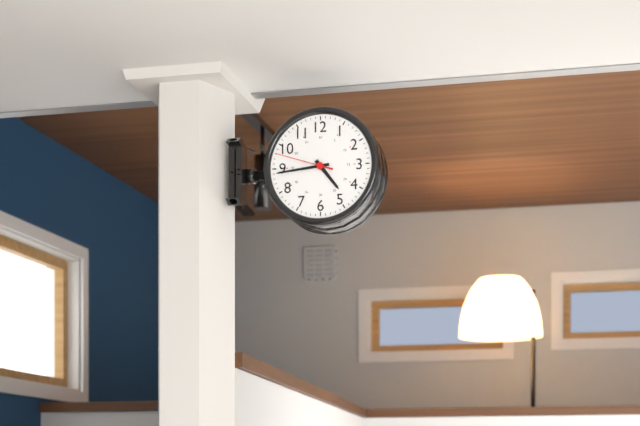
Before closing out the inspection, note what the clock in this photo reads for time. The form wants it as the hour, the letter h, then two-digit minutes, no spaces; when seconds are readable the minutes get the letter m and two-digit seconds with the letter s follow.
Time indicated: 4h44m48s
